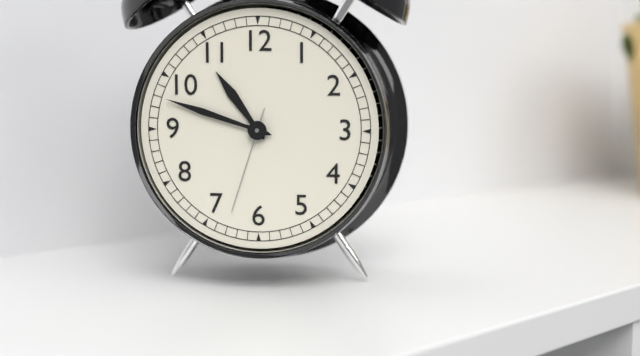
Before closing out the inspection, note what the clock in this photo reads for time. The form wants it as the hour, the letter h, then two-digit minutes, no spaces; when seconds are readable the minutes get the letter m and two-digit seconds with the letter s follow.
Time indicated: 10h48m33s
